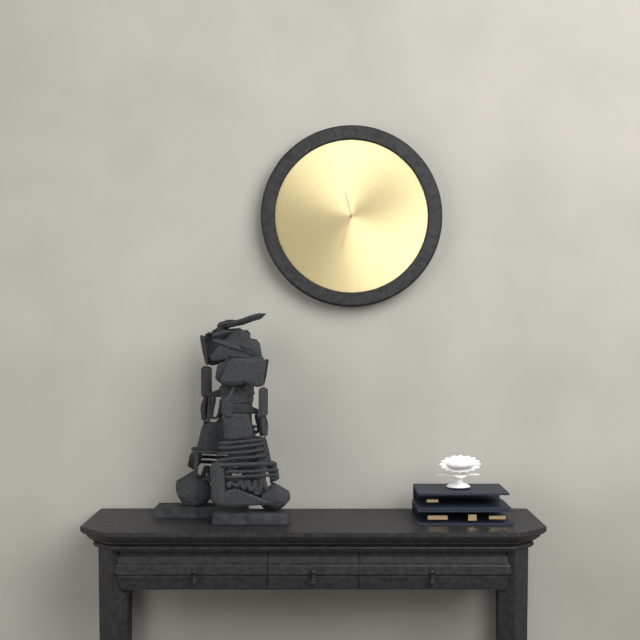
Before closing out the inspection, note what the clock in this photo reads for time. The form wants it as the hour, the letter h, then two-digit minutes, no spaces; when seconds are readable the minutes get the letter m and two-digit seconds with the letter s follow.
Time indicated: 11h33
